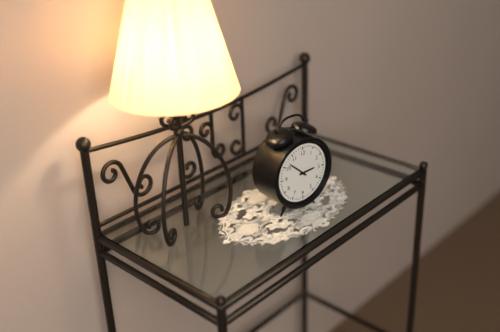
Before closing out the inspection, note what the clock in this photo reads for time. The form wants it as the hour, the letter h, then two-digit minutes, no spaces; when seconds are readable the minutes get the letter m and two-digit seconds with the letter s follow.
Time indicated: 2h52
